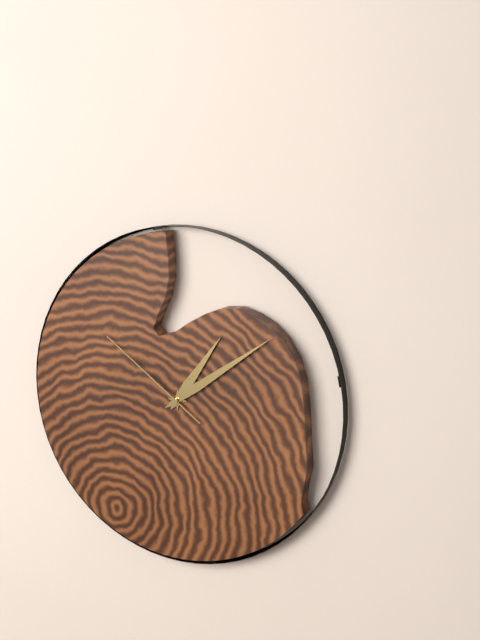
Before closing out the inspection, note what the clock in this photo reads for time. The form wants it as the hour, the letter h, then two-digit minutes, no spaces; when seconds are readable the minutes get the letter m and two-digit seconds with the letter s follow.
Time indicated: 1h09m51s
